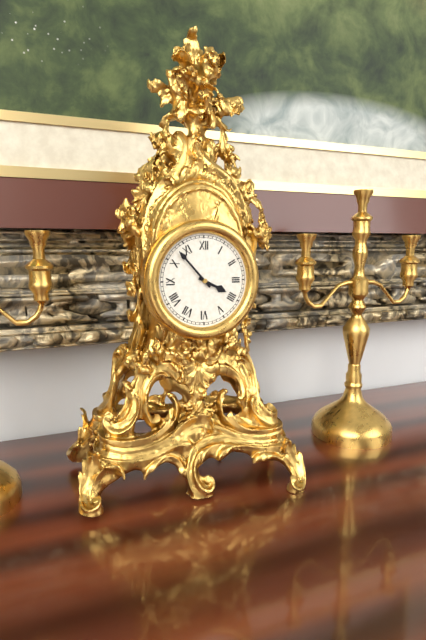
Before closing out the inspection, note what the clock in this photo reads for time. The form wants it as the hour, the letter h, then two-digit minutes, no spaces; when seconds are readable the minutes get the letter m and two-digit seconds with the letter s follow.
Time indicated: 3h53
